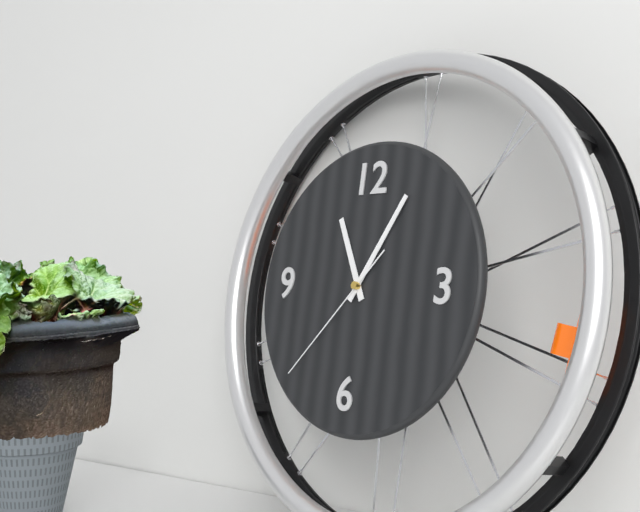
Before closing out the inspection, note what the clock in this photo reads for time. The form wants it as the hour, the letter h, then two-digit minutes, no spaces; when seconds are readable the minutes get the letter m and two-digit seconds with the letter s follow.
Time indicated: 11h05m37s
